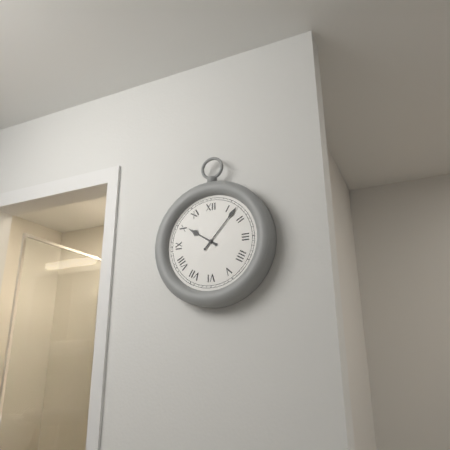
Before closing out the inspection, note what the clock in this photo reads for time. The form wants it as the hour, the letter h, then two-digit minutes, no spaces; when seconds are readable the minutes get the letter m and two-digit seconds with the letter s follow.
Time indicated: 10h07
